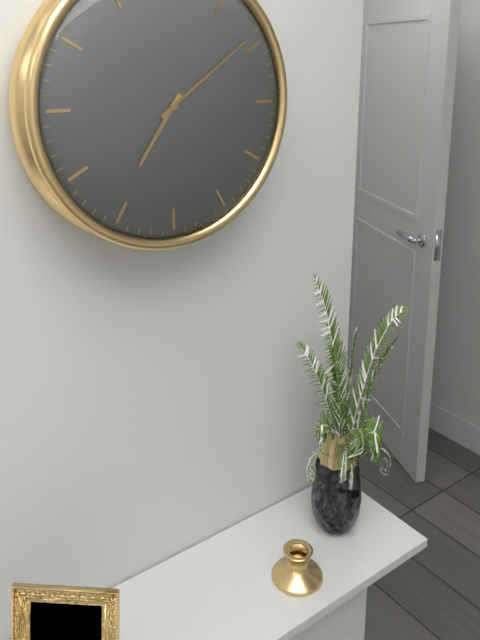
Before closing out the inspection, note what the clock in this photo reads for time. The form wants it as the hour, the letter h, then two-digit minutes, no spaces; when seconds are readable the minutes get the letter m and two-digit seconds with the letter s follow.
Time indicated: 7h09
